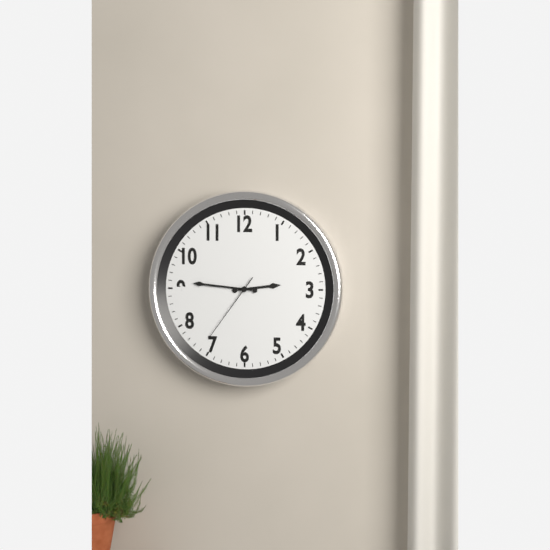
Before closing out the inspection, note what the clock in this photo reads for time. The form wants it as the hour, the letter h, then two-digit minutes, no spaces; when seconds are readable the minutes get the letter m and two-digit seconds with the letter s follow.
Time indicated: 2h46m36s
